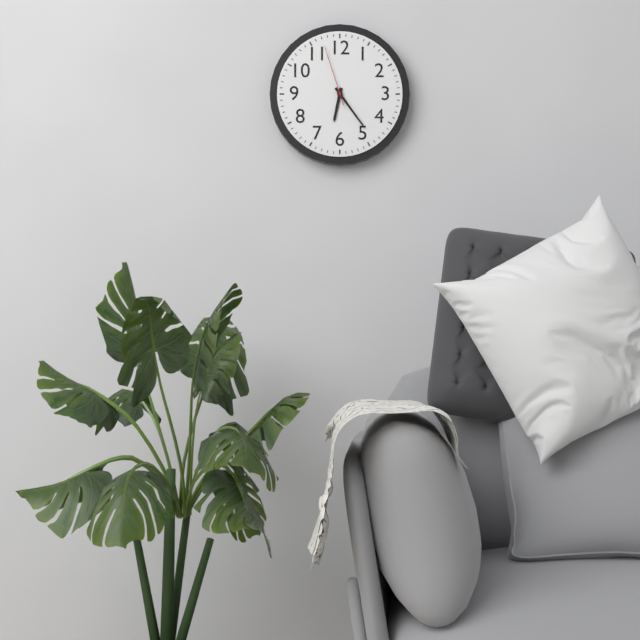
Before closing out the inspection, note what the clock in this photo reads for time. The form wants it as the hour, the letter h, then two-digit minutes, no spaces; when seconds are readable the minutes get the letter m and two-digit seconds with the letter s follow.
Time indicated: 6h24m57s
